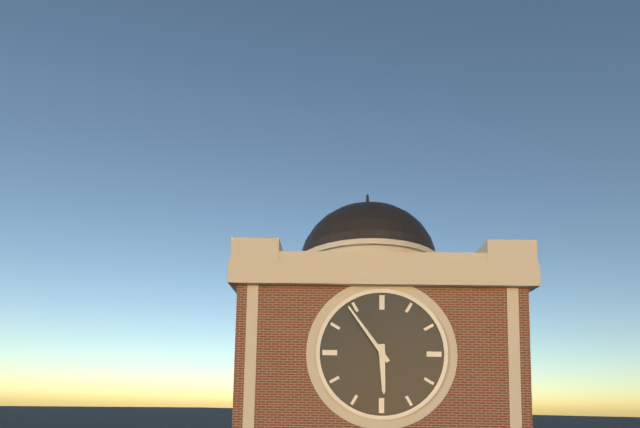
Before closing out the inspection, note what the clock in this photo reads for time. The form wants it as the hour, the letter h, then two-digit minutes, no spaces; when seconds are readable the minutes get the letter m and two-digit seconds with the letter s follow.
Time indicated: 5h54
